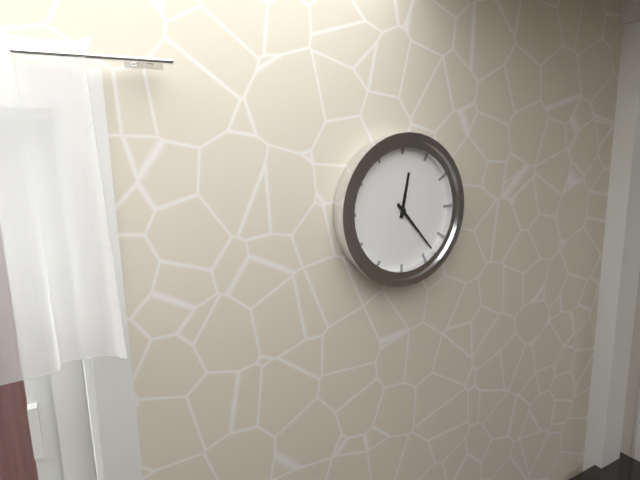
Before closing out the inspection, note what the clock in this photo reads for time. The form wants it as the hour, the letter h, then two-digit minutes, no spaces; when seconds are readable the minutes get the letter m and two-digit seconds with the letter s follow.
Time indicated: 12h23
